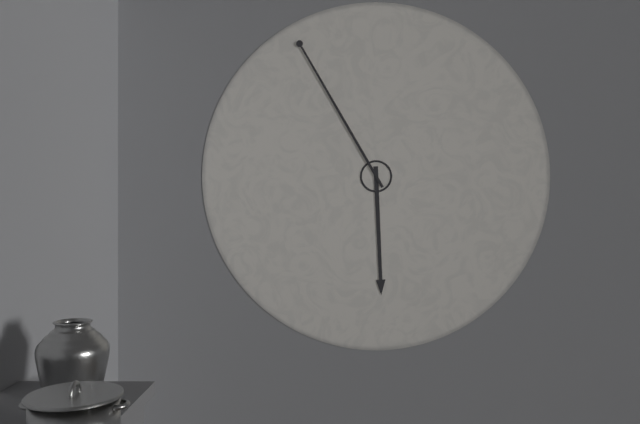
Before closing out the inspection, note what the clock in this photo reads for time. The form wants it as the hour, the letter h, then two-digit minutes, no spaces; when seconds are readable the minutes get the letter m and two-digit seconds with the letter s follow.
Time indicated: 5h55
